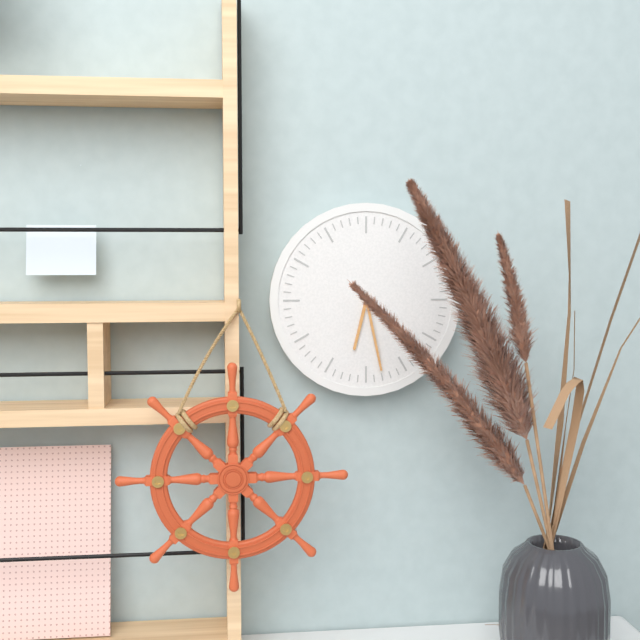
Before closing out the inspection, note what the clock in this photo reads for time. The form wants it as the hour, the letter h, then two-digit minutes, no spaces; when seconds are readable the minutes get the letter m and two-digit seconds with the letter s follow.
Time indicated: 6h28
